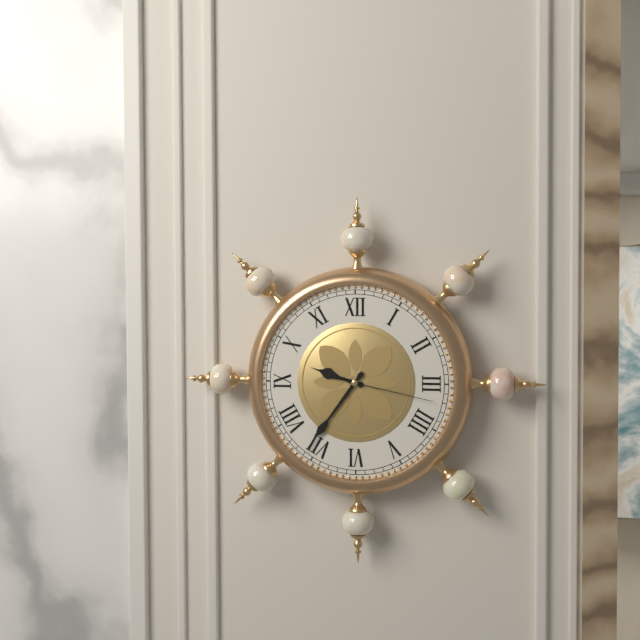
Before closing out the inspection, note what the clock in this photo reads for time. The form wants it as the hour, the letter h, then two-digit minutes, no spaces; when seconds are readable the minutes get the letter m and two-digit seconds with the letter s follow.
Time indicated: 9h36m17s
